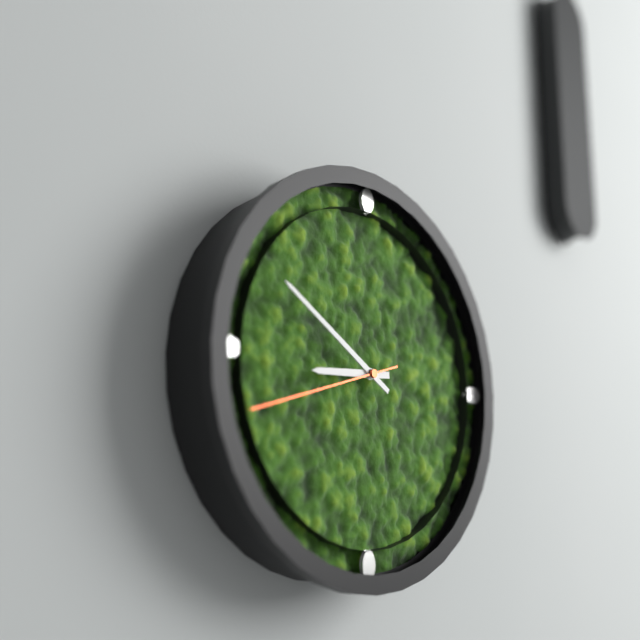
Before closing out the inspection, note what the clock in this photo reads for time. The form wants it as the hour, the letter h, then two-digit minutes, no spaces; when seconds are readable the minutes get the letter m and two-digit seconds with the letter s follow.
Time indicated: 8h50m42s
